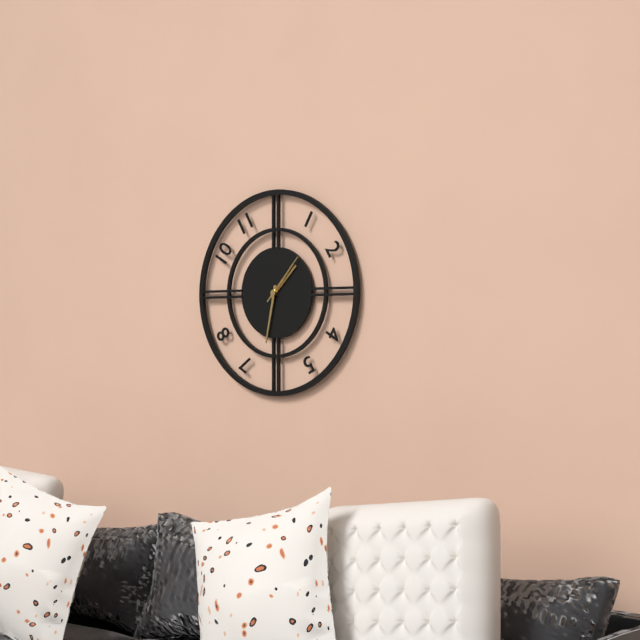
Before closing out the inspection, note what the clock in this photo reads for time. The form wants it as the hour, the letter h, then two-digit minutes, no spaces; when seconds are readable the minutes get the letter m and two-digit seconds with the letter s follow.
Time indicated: 1h32m07s
